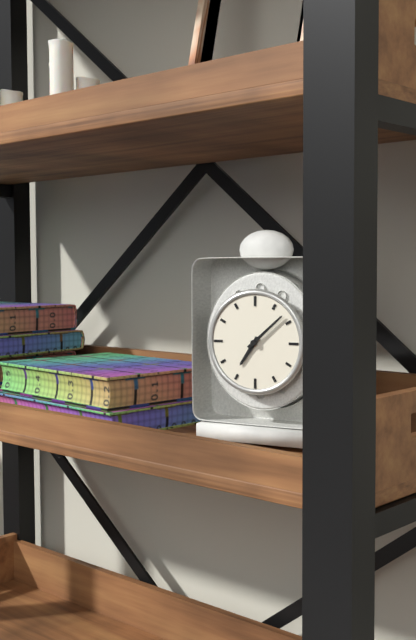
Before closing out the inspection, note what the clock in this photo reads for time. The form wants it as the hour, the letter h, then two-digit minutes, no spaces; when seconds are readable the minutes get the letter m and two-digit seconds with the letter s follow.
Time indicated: 7h08
